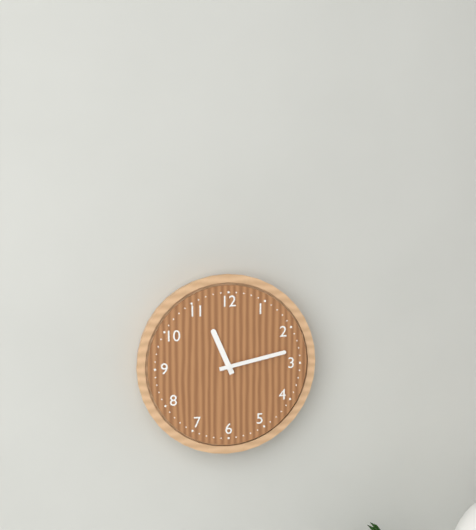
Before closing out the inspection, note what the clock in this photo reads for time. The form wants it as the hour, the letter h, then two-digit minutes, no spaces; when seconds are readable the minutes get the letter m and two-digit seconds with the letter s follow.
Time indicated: 11h13
